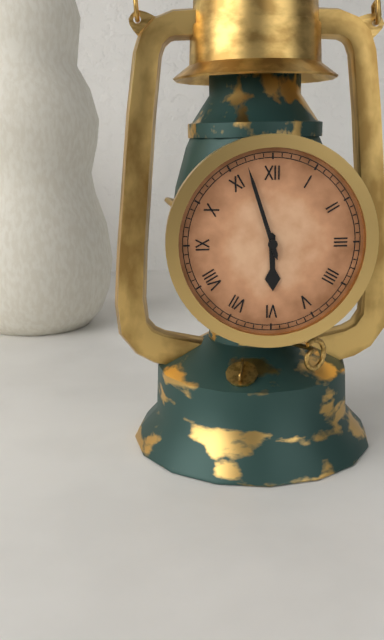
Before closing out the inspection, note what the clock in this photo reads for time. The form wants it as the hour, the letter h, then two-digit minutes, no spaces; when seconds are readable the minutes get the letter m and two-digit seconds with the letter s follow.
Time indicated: 5h57
